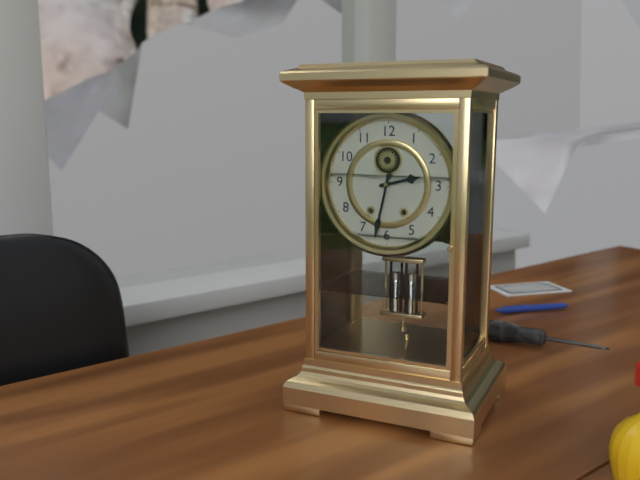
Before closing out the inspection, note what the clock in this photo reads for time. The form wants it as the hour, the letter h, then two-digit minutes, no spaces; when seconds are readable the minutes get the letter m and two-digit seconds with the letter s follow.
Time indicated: 2h32
